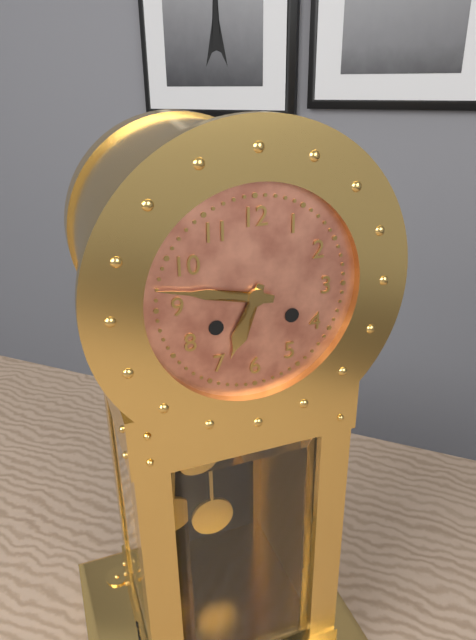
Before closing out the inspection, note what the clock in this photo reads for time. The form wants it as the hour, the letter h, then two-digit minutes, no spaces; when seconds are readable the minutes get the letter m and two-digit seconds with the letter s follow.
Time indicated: 6h47
